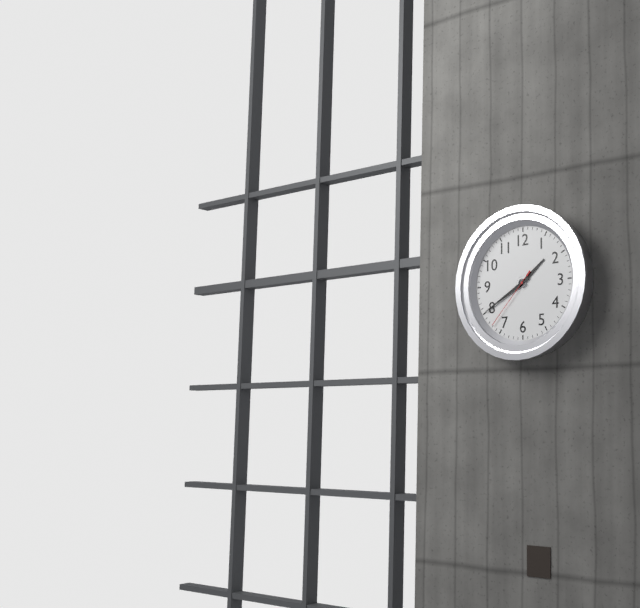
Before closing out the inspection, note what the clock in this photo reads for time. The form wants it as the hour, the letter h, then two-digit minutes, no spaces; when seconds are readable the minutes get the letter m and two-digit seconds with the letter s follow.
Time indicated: 1h40m37s
